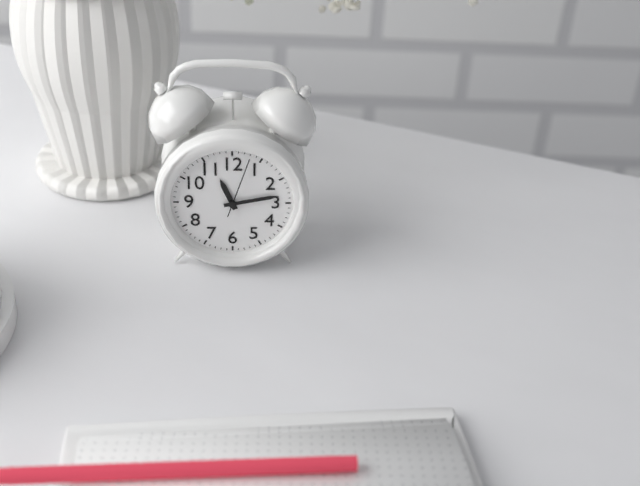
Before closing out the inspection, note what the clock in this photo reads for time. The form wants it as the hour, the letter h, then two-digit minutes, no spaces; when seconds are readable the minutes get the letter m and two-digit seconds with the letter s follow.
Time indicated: 11h13m03s
